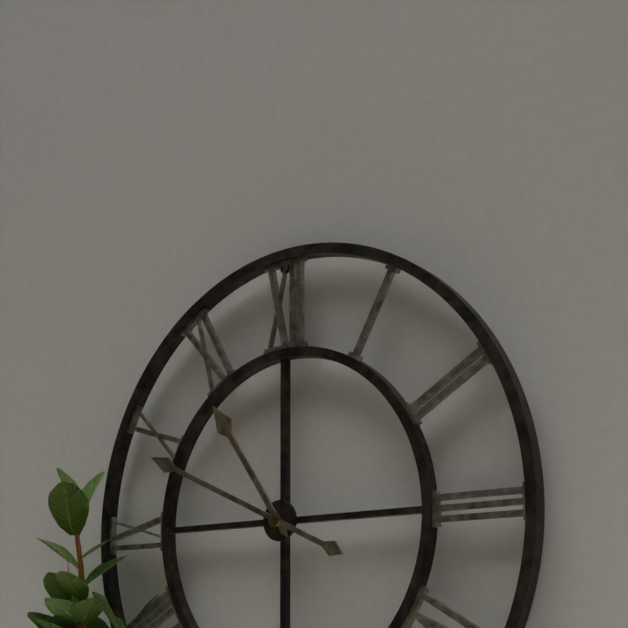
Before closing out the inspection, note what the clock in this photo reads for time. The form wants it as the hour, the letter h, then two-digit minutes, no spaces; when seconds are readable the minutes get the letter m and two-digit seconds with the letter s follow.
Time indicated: 10h49
